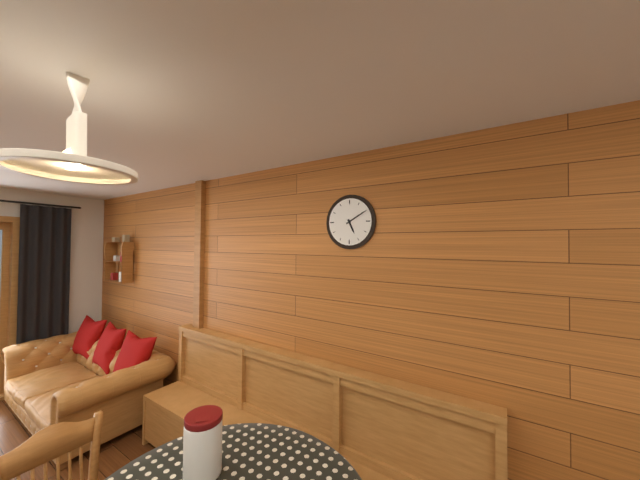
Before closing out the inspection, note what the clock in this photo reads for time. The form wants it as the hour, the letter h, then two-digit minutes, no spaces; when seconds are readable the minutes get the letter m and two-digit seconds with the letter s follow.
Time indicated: 5h10
